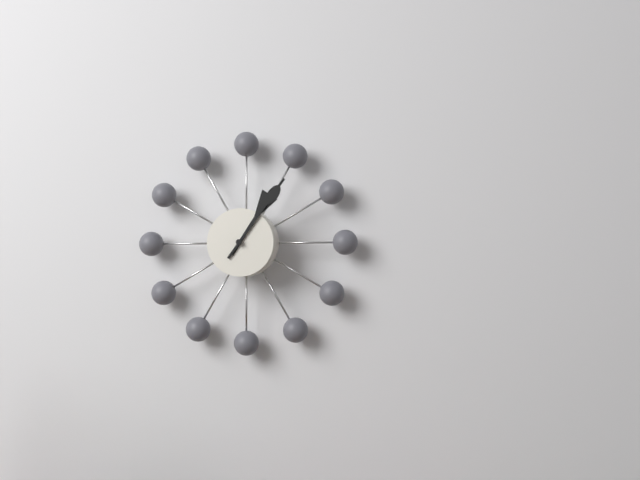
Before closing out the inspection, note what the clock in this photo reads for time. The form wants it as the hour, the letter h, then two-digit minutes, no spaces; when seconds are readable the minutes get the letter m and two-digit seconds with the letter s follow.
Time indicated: 1h06
